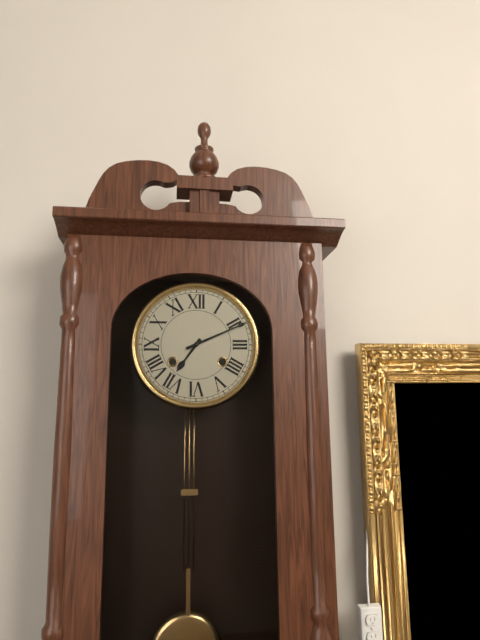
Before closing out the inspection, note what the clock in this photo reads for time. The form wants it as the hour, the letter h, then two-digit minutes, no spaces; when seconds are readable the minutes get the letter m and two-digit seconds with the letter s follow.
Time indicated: 7h11
